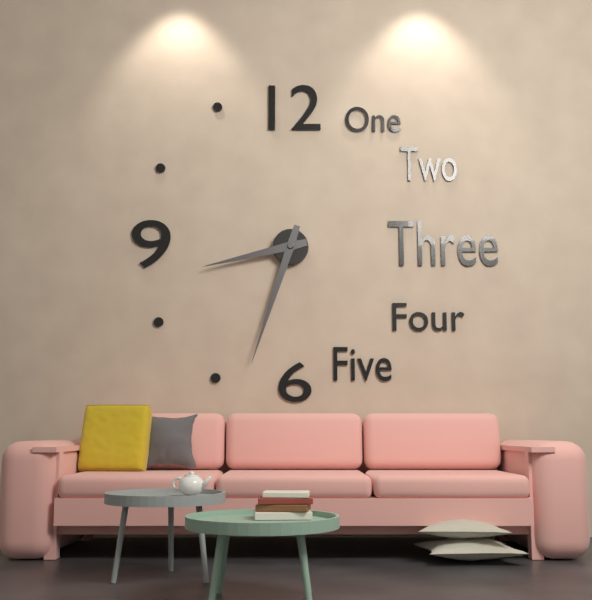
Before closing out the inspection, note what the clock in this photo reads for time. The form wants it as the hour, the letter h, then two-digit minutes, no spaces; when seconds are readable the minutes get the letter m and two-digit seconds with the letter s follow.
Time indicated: 8h33
